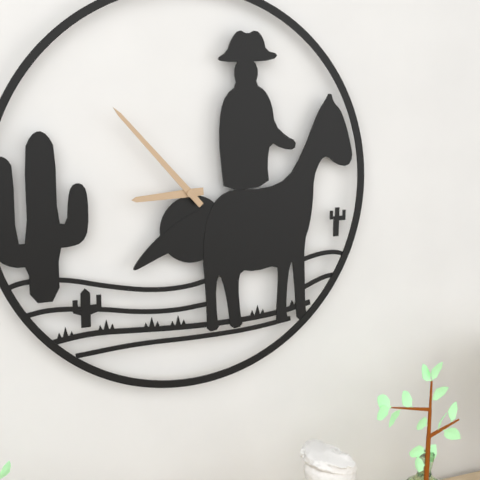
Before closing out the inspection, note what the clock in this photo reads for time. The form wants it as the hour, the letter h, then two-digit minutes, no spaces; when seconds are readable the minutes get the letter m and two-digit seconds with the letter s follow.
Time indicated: 8h53
